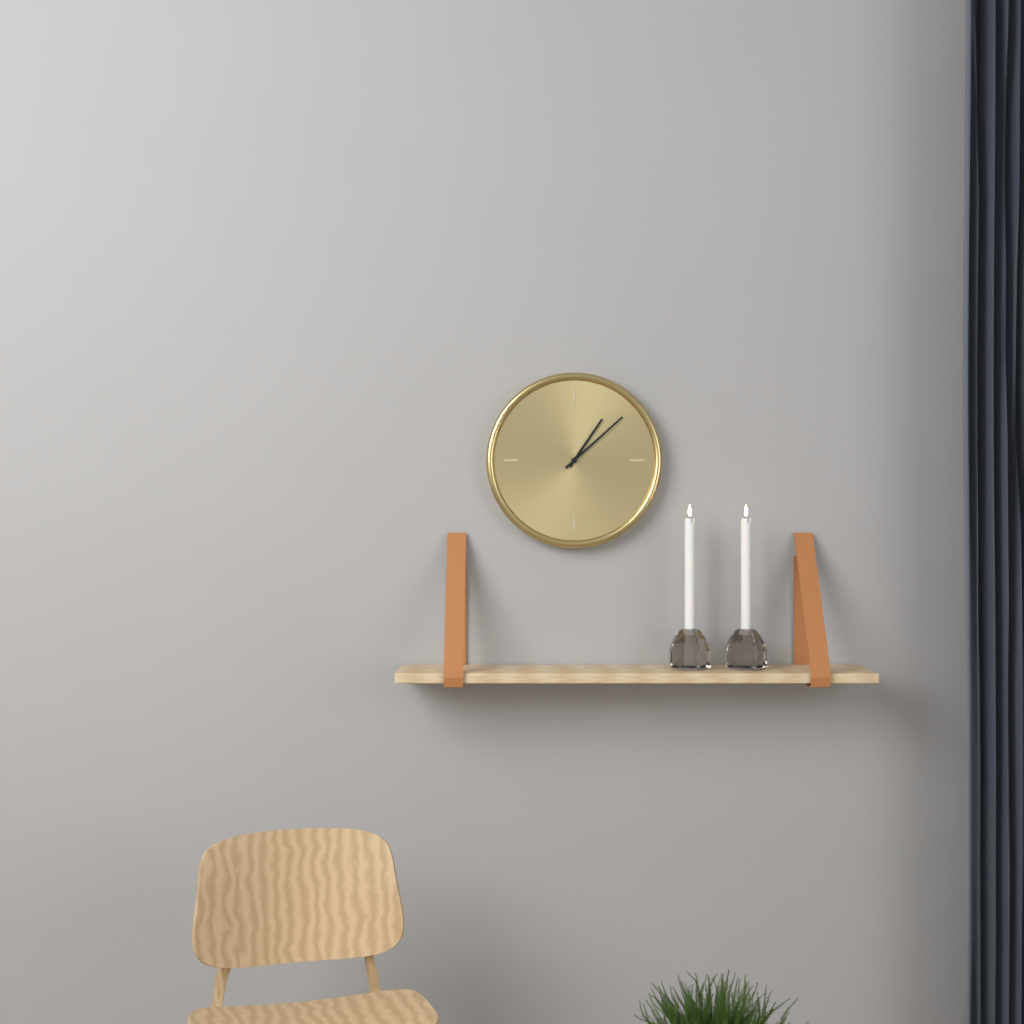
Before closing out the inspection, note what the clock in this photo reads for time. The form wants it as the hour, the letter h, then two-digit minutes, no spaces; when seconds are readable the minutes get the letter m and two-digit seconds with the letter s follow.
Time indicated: 1h08
